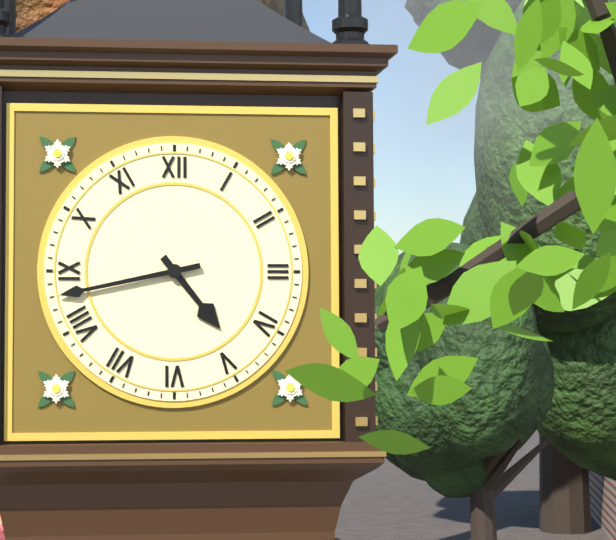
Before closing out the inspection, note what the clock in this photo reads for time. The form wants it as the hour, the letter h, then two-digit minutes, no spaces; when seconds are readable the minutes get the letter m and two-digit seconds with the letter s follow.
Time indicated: 4h43
